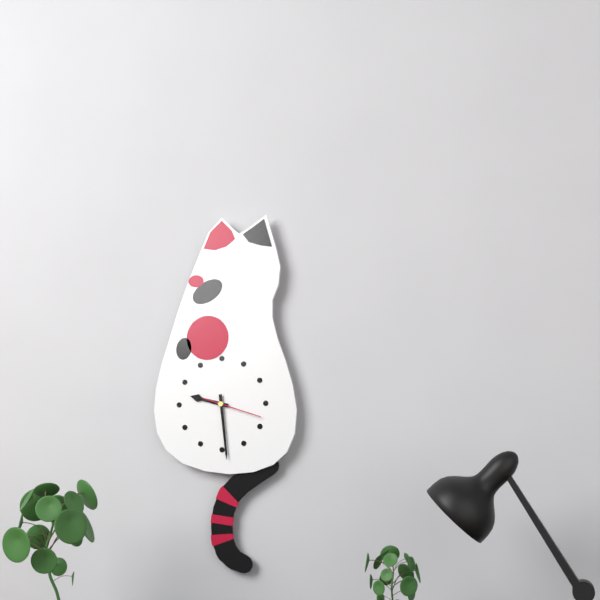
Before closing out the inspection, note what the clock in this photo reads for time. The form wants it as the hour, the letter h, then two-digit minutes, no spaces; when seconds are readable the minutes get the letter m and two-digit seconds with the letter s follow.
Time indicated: 9h29m18s
